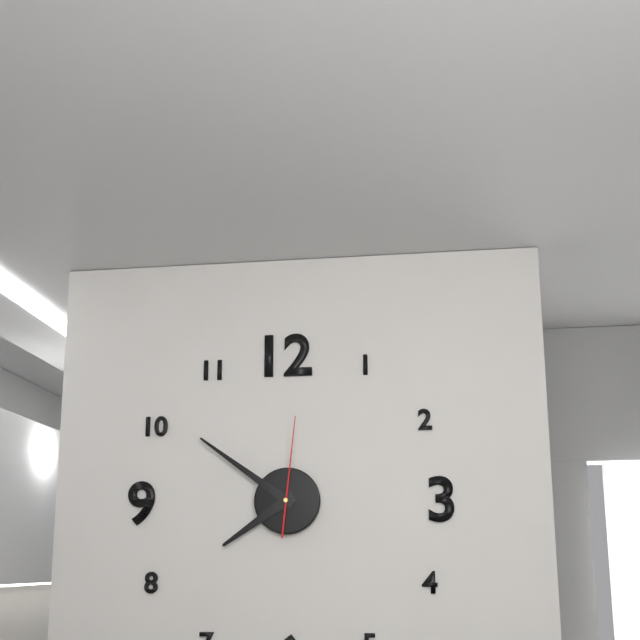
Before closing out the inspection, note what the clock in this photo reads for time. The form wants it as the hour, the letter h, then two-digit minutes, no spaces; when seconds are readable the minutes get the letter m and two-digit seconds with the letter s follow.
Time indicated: 7h51m01s
